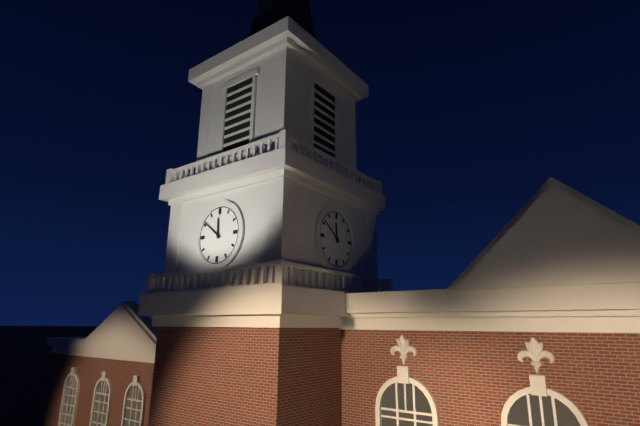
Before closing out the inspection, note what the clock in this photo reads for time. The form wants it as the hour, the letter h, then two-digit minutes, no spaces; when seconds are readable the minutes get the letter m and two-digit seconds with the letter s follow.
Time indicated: 11h51
